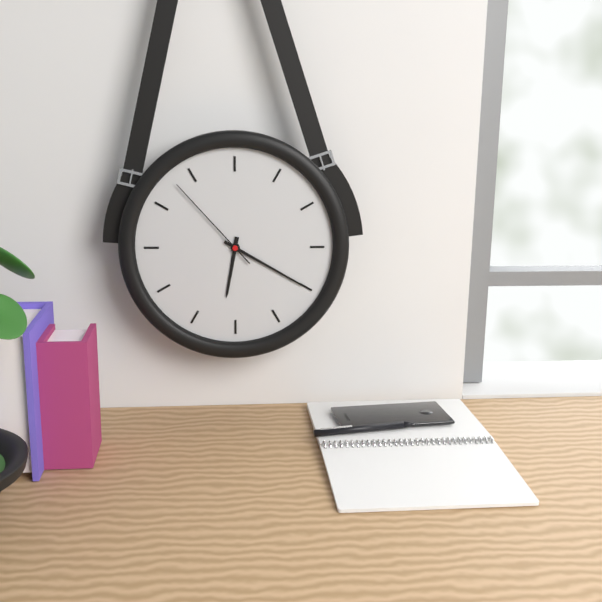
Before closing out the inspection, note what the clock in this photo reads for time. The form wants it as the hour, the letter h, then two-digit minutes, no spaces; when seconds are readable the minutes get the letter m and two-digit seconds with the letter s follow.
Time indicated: 6h20m53s
